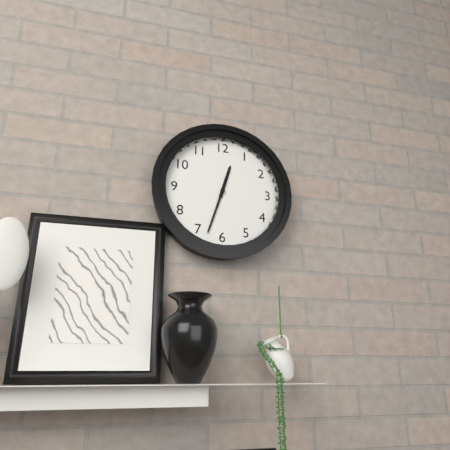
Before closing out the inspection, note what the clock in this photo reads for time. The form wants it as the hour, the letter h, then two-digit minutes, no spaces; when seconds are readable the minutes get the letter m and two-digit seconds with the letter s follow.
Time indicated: 12h33
